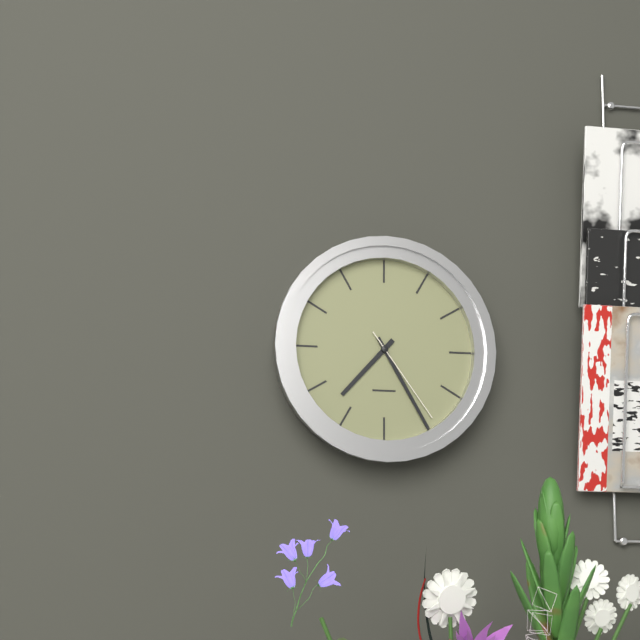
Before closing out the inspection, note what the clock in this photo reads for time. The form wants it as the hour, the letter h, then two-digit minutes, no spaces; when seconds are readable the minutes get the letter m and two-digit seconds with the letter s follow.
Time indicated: 7h25m24s
